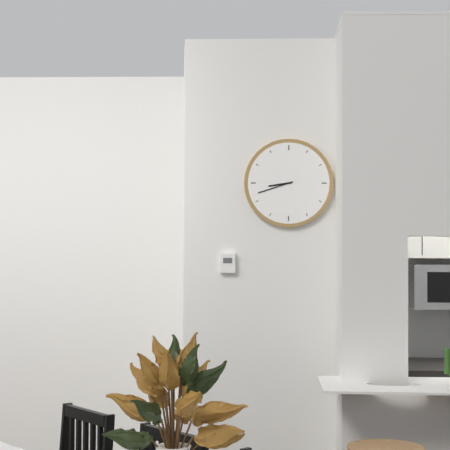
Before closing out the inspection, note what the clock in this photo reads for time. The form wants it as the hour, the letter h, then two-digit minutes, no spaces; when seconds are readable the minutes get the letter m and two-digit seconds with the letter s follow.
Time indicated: 8h42
